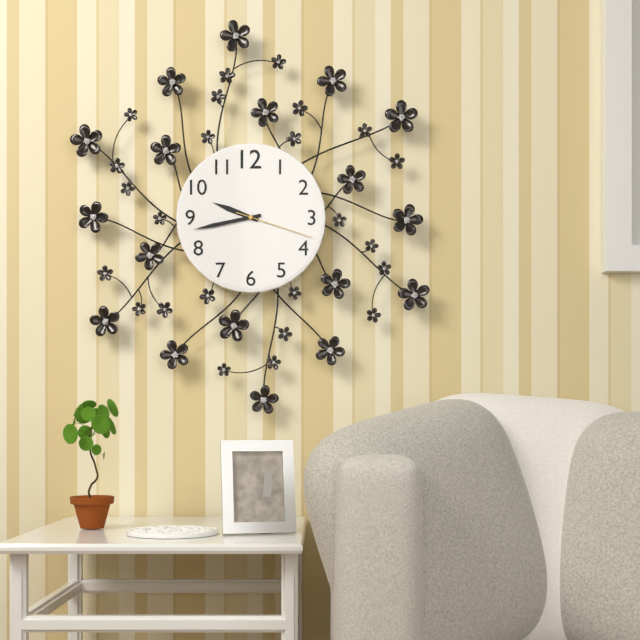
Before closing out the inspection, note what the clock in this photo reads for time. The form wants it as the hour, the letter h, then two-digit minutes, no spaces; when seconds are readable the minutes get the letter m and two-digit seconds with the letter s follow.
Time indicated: 9h43m18s
